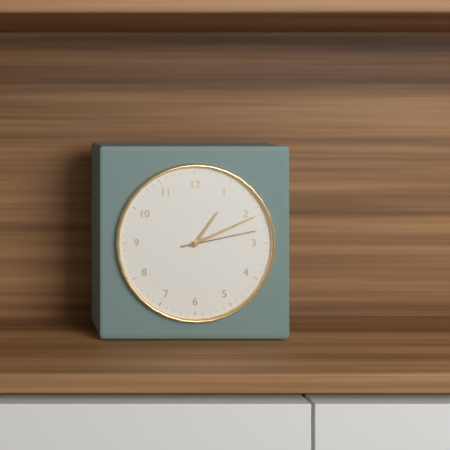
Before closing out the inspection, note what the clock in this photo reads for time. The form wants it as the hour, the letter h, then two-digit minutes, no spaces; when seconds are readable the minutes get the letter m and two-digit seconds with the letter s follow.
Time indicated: 1h11m13s
